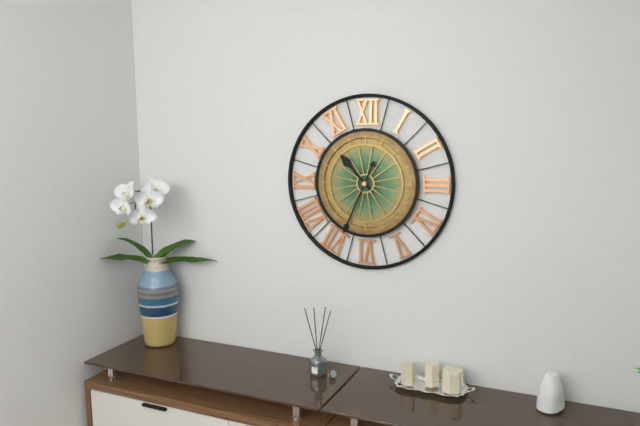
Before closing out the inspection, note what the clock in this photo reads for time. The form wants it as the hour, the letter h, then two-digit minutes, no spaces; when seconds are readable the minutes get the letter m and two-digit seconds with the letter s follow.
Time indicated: 10h34
